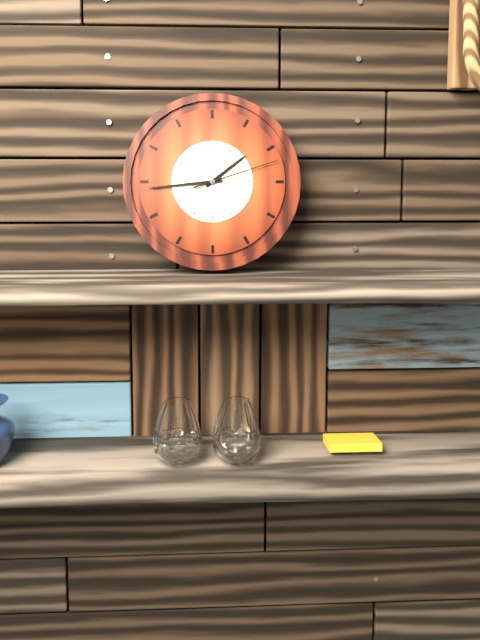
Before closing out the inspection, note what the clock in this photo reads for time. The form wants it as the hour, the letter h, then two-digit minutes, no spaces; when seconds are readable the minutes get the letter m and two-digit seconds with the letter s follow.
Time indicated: 1h44m12s
